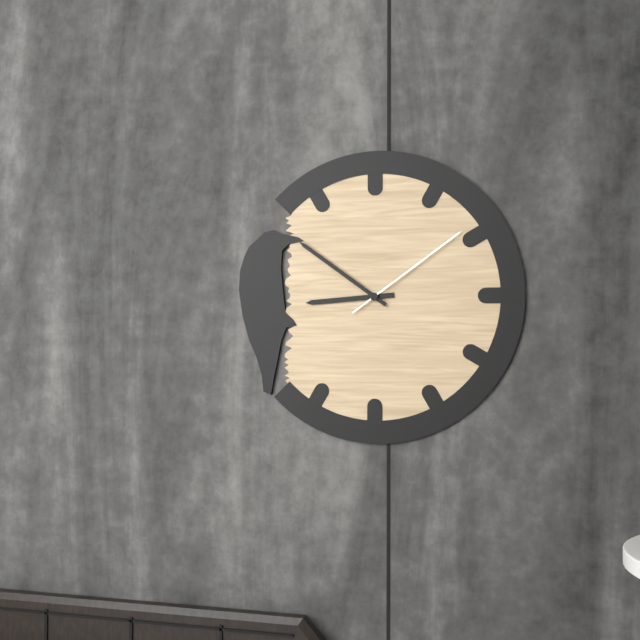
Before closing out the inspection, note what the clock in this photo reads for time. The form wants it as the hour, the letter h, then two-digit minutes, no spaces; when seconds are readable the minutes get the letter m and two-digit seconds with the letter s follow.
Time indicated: 8h51m09s
